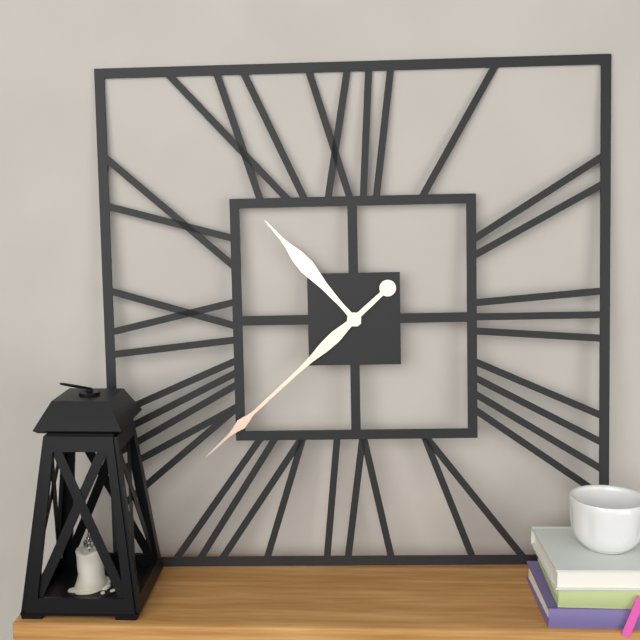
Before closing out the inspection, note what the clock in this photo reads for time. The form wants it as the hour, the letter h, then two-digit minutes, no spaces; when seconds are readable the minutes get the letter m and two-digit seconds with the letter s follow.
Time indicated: 10h38
